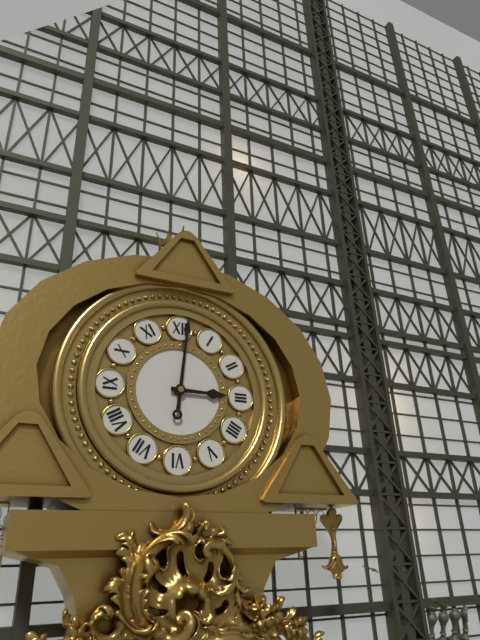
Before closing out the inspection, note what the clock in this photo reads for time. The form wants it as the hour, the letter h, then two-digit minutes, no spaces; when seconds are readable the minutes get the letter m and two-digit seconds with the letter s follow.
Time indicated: 3h01
